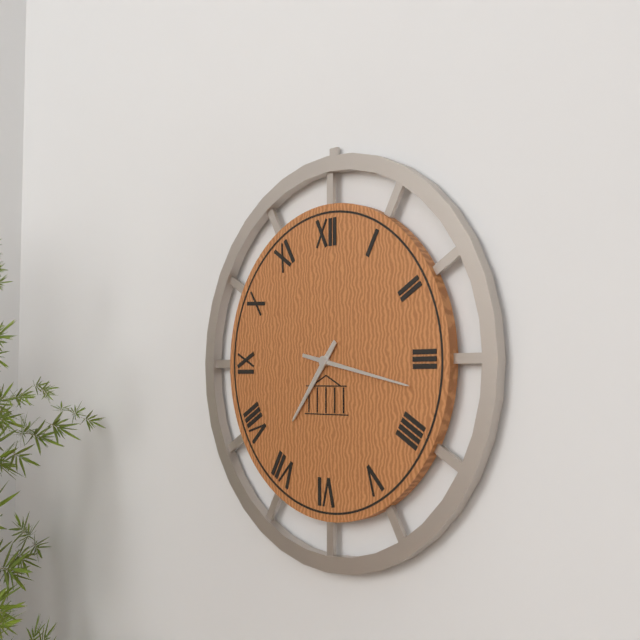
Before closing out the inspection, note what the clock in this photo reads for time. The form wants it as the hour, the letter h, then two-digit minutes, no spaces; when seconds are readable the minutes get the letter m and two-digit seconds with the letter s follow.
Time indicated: 7h17
